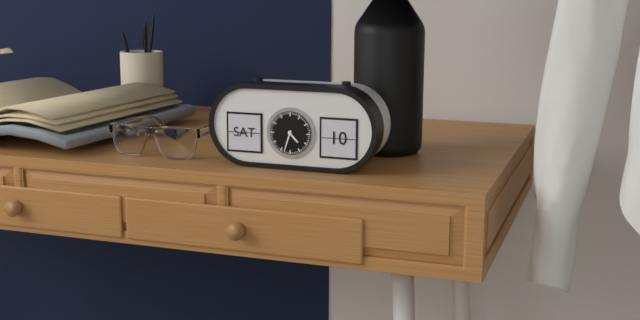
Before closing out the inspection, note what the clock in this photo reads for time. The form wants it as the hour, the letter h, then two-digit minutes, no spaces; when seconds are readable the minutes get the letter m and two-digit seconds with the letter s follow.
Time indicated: 4h33
